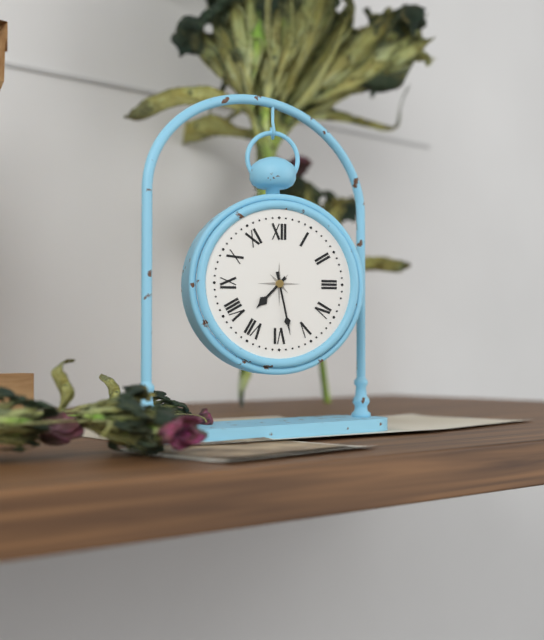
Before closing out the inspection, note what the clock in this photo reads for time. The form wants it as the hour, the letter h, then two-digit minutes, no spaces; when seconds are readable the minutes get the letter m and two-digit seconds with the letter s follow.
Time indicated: 7h28
